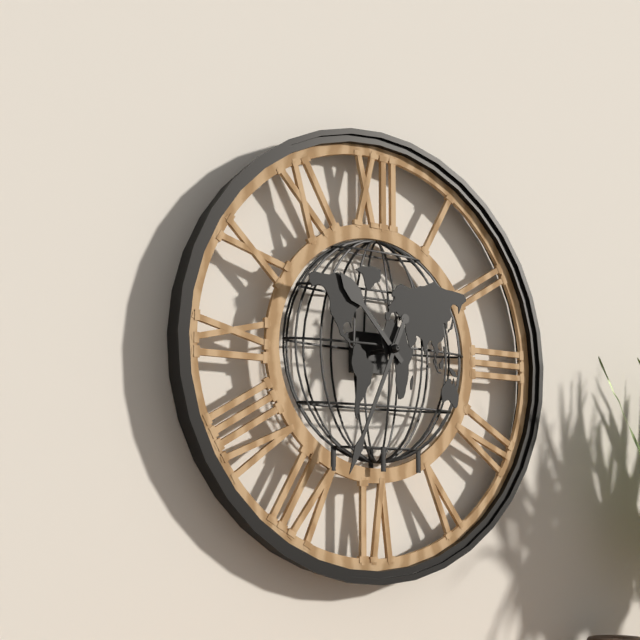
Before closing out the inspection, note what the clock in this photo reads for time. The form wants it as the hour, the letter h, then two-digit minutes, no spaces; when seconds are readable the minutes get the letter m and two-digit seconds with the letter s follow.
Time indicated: 10h34
